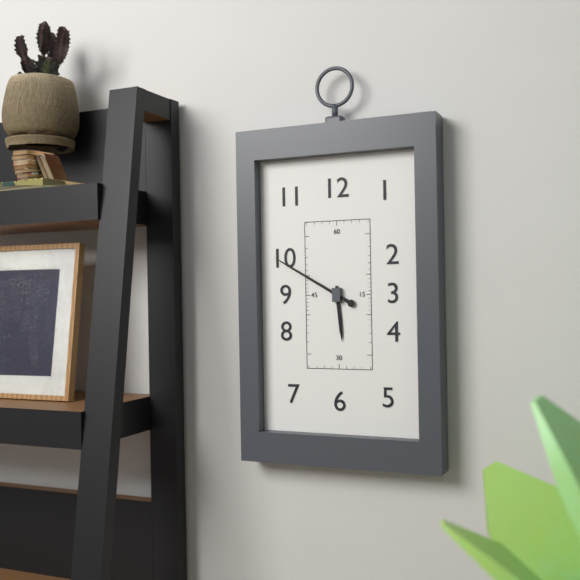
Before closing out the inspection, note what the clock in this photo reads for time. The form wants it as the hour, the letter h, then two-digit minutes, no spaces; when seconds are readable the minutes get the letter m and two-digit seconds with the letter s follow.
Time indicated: 5h50
